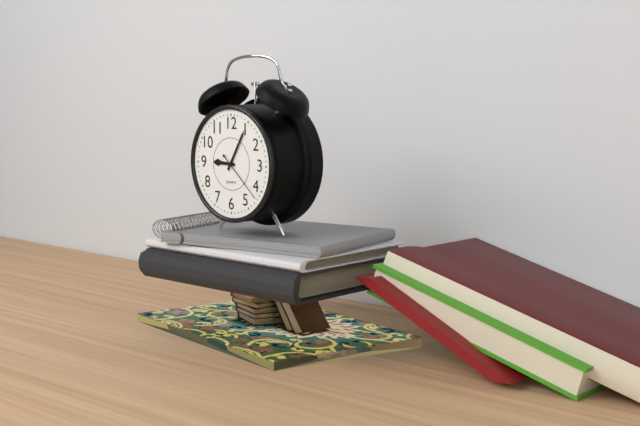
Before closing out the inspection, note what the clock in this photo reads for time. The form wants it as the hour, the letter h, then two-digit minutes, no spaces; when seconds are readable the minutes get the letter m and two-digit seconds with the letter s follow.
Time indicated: 9h05
